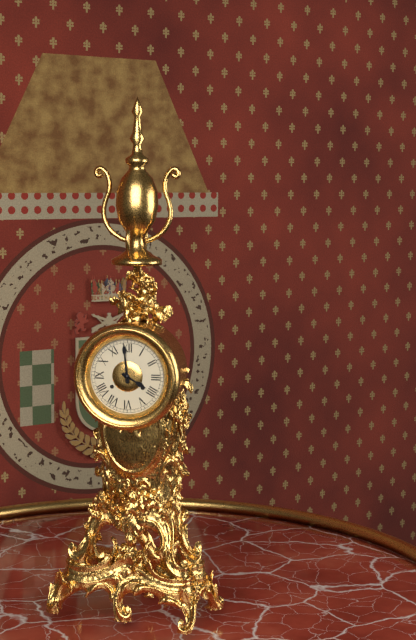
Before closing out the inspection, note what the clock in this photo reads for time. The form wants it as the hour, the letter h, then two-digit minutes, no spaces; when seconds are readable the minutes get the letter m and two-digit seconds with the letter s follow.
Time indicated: 3h59
